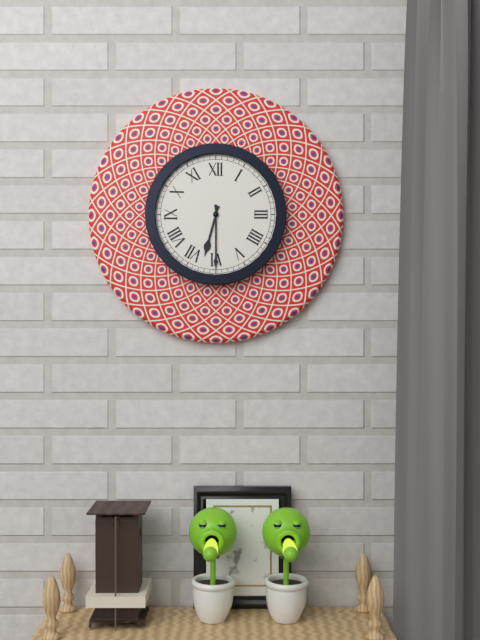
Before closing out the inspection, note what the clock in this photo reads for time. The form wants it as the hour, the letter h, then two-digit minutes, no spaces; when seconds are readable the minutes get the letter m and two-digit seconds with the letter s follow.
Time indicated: 6h30
